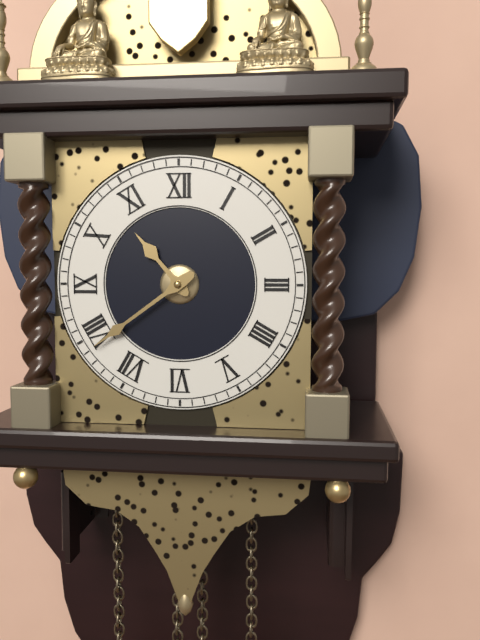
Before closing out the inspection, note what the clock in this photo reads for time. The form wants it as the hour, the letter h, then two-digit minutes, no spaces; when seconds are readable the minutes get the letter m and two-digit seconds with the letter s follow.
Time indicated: 10h39
